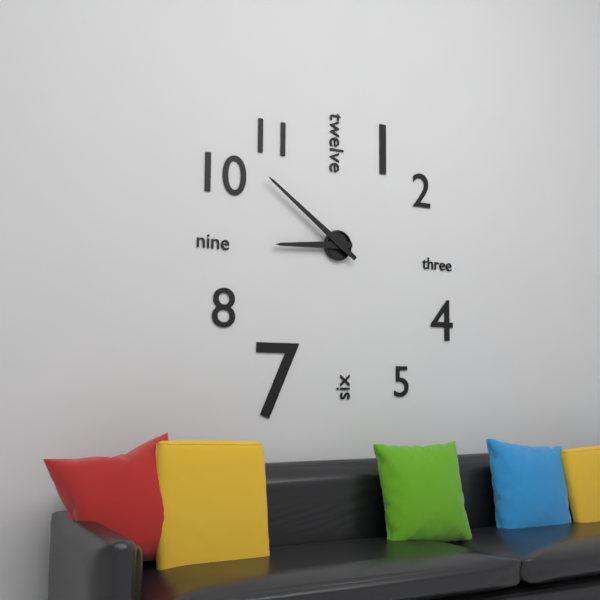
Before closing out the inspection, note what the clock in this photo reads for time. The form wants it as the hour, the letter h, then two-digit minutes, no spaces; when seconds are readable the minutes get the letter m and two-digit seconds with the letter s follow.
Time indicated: 8h51
